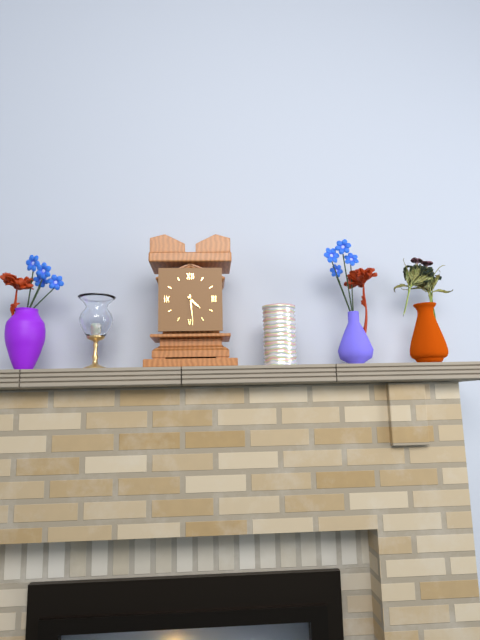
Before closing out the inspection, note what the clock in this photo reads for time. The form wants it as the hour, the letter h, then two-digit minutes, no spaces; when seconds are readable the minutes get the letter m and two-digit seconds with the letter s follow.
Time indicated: 4h29
